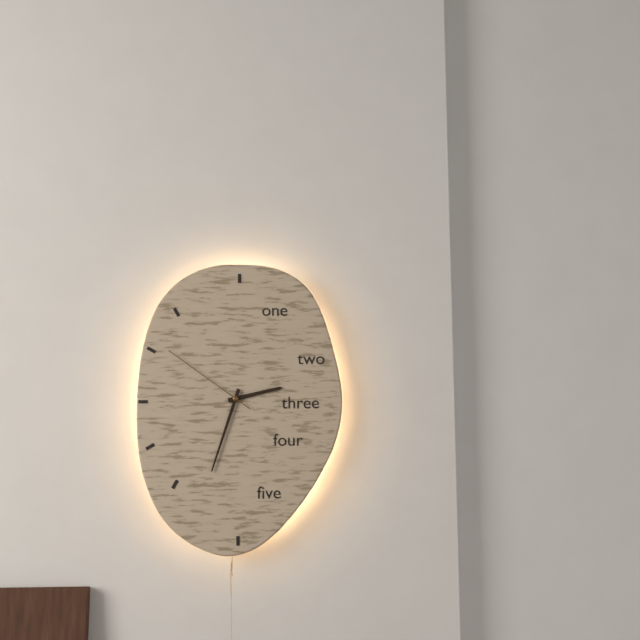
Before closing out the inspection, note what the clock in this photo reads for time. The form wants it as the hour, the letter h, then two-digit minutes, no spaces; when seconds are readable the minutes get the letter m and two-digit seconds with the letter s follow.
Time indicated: 2h33m51s
